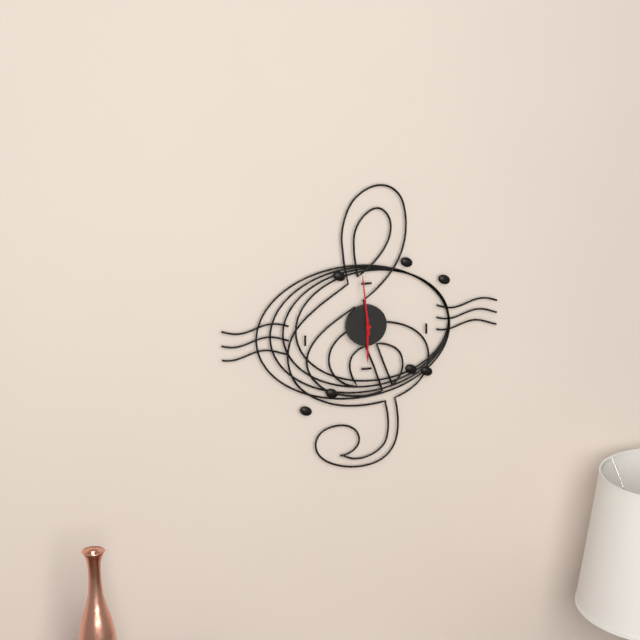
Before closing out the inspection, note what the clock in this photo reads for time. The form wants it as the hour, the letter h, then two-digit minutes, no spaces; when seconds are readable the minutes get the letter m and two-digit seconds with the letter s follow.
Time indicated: 5h59
